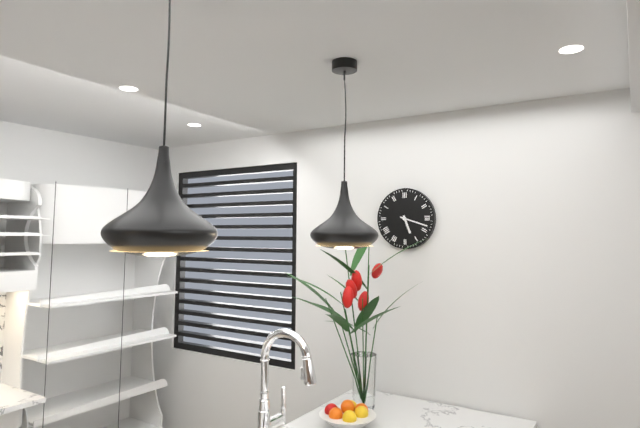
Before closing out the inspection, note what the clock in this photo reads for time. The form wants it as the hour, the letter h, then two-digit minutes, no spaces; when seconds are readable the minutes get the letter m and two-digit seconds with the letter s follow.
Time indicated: 5h18
